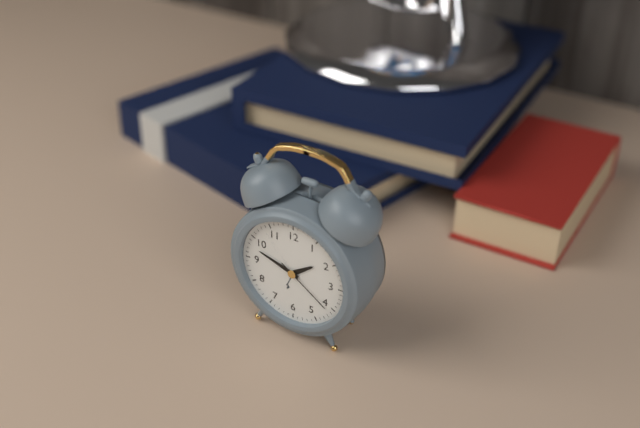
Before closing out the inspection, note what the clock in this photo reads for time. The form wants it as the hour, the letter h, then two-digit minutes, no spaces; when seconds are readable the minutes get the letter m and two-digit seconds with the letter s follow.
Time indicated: 1h48m21s
